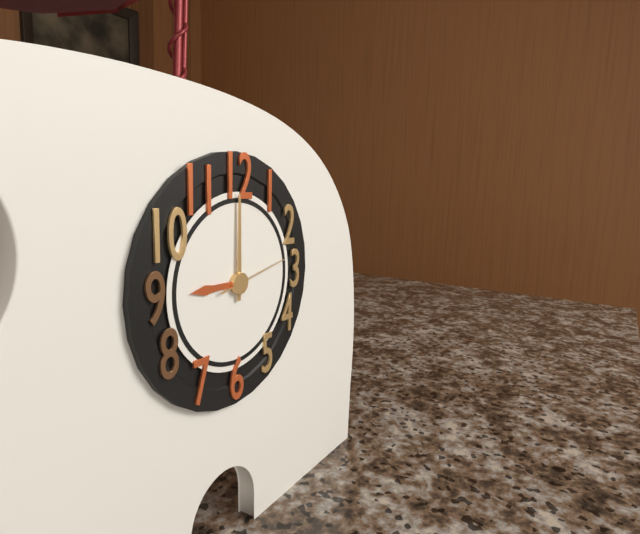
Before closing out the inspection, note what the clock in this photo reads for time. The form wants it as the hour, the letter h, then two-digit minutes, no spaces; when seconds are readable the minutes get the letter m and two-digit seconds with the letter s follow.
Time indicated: 9h00m13s
